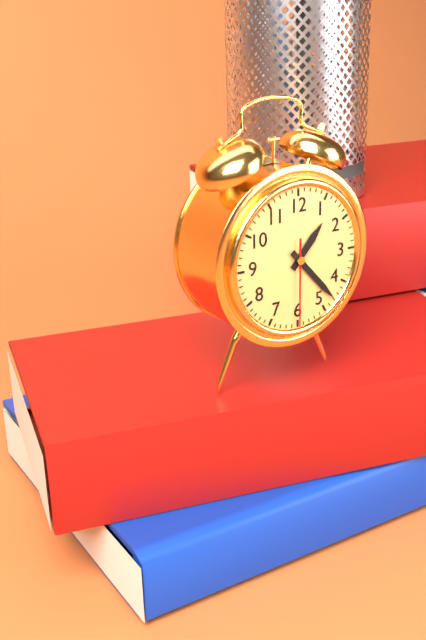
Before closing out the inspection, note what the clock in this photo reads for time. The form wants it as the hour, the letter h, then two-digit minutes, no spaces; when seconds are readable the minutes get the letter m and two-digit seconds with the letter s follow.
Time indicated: 1h23m30s
